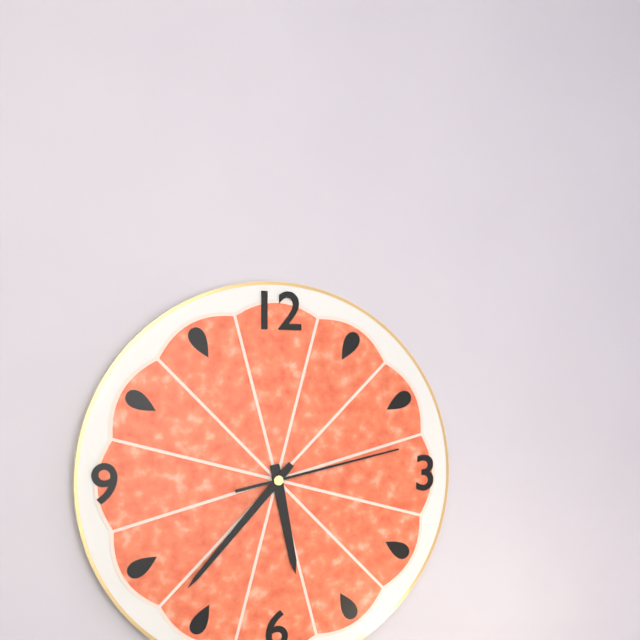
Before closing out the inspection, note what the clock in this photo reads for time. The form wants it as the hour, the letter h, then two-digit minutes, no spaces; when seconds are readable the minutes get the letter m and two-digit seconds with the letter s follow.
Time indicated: 5h37m13s
